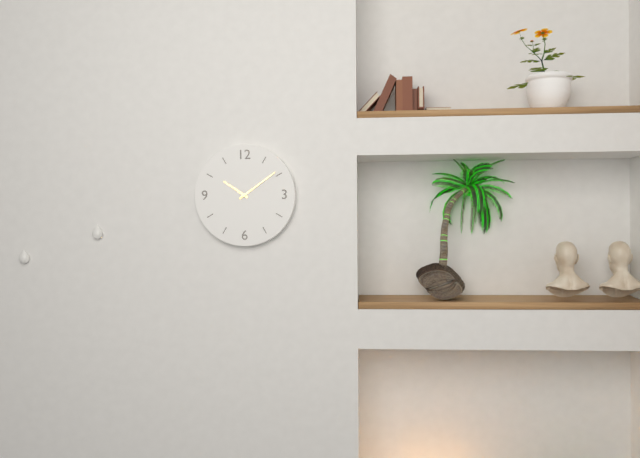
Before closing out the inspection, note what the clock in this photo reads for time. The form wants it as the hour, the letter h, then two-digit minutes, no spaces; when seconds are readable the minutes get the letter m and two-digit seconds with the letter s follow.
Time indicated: 10h09
